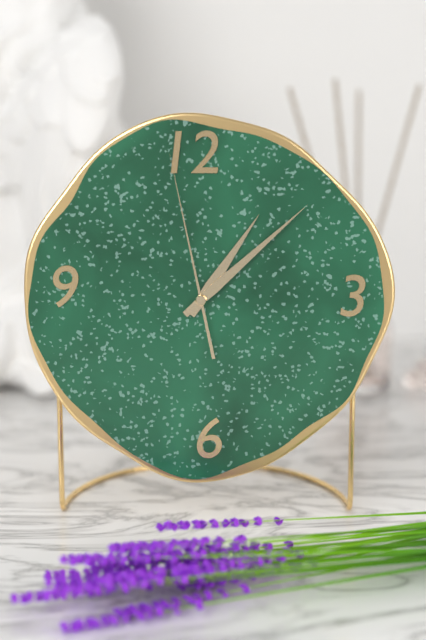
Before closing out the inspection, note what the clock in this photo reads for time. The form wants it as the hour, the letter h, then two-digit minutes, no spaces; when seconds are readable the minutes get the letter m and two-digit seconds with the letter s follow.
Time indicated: 1h08m58s
